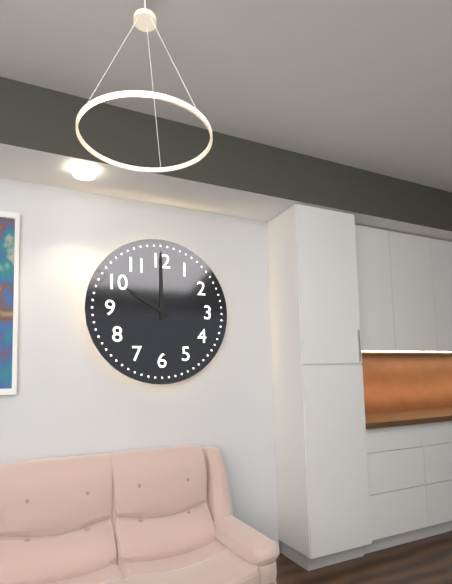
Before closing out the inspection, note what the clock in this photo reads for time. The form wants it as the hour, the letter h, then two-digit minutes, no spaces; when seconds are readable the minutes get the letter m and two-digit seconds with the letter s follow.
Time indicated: 10h00
